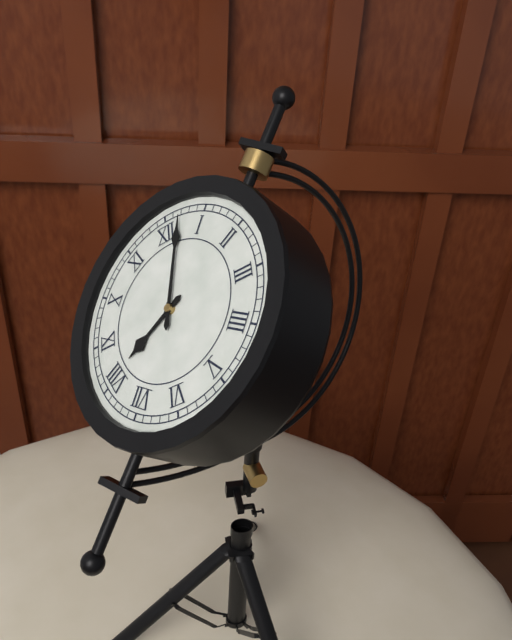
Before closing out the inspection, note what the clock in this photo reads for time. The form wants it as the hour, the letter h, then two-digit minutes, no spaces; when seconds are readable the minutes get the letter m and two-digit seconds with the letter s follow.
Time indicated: 8h02
